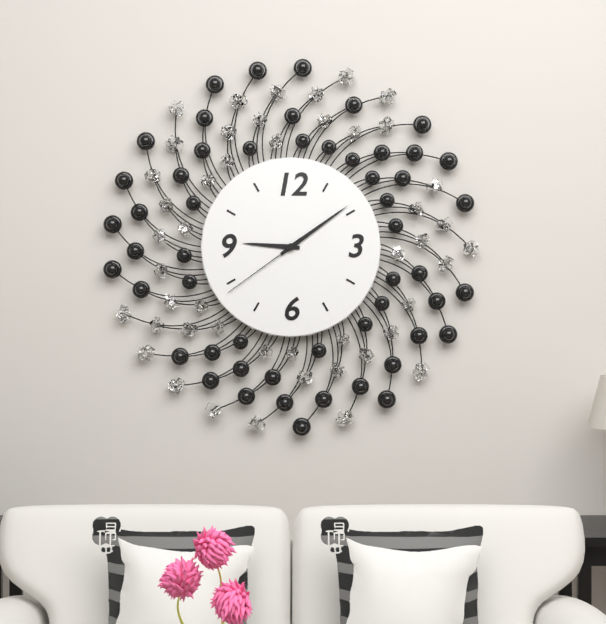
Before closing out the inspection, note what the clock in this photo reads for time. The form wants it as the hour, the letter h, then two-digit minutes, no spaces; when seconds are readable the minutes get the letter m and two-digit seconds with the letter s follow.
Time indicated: 9h09m39s
